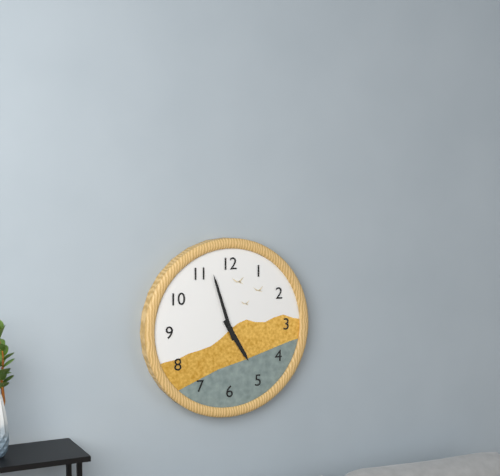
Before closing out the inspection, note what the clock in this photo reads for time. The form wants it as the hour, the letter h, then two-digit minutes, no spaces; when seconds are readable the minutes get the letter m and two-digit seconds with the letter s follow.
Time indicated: 4h57
